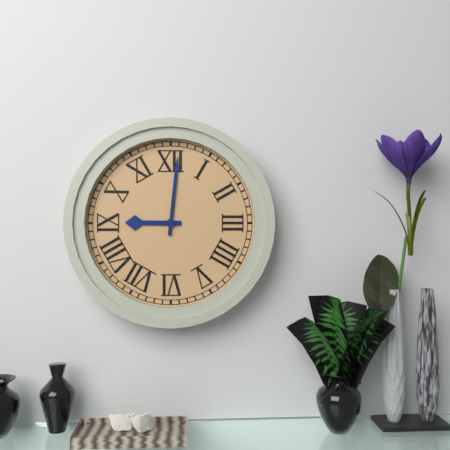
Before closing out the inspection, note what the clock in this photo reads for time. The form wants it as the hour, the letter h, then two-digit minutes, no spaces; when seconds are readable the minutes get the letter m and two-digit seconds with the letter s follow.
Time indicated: 9h01
